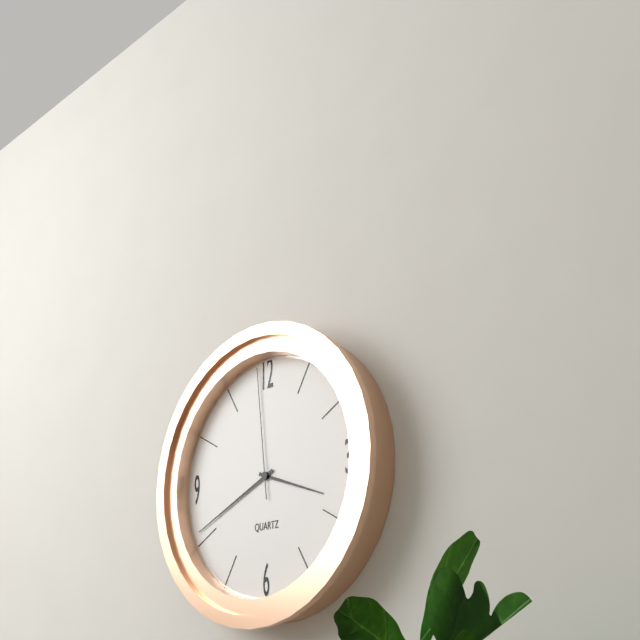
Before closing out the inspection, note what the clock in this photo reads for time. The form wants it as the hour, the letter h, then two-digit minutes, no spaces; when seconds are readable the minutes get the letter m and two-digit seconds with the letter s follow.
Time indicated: 3h41m59s
